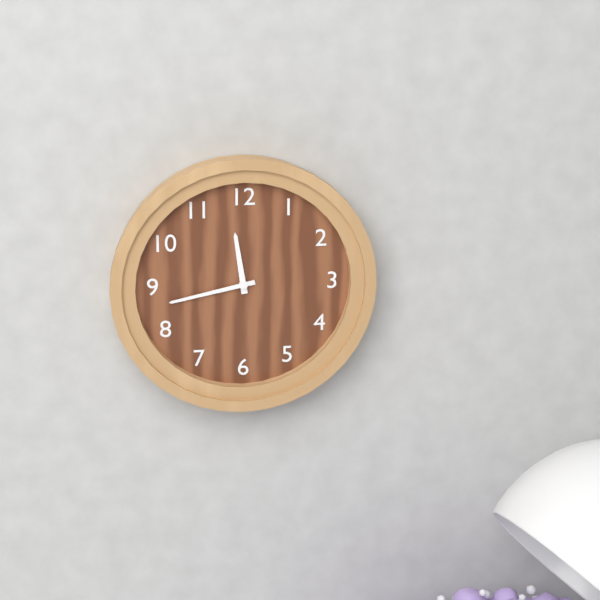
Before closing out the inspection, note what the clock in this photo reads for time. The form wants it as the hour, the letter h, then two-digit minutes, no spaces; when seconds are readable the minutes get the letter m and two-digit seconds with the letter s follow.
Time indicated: 11h43
